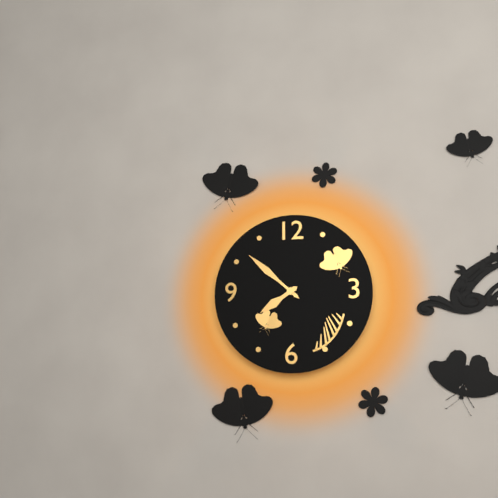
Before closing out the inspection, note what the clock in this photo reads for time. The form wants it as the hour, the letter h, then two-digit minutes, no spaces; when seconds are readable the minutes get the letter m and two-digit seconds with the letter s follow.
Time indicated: 7h52
